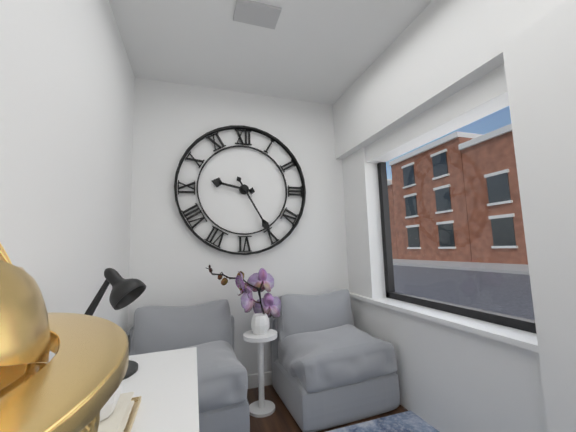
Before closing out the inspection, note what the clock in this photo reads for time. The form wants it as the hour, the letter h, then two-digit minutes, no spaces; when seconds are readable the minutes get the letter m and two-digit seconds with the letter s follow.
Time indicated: 9h25
